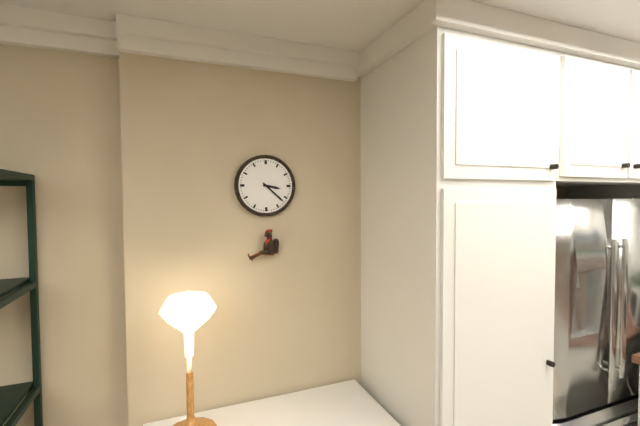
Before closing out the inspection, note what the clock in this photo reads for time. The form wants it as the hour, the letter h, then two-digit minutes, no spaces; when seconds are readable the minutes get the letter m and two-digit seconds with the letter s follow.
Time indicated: 3h22
